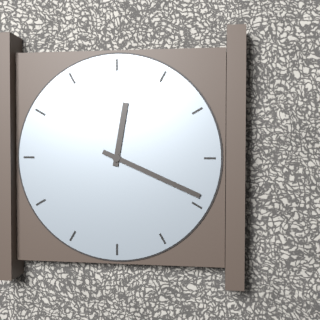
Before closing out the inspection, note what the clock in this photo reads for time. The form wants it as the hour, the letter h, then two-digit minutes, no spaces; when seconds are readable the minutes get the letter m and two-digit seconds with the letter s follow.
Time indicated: 12h19
